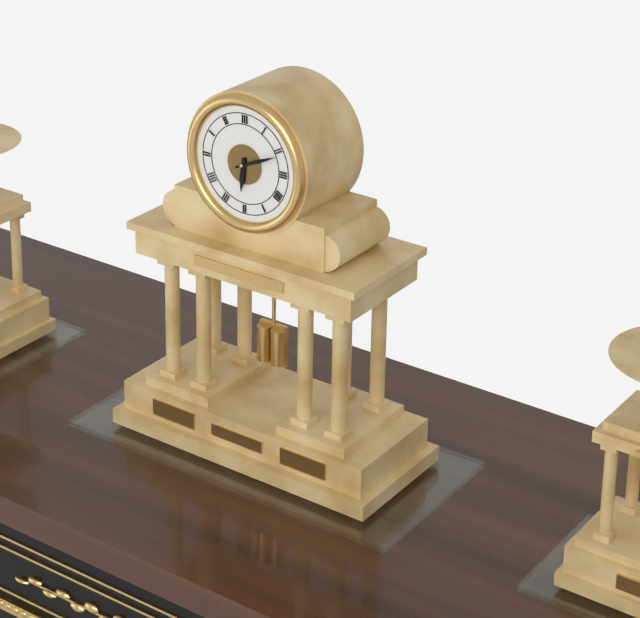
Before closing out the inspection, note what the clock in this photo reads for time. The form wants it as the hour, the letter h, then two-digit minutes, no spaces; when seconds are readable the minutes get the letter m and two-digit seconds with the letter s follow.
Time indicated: 6h11
